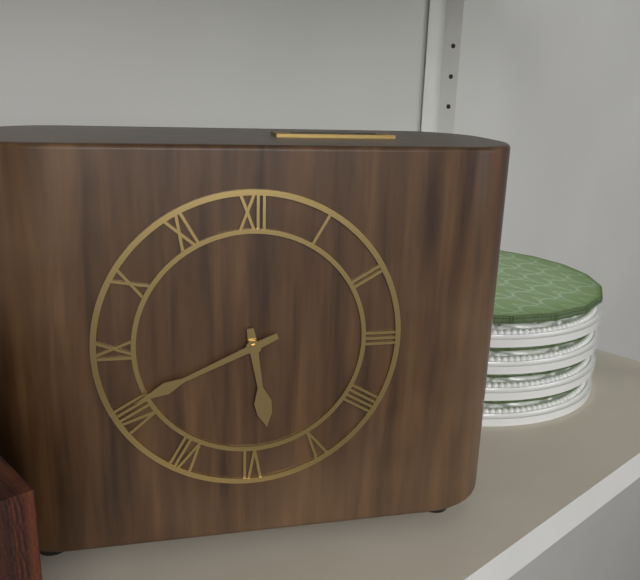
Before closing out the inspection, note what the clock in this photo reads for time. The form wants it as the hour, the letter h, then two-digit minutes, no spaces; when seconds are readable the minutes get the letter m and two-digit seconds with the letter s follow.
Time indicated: 5h41
